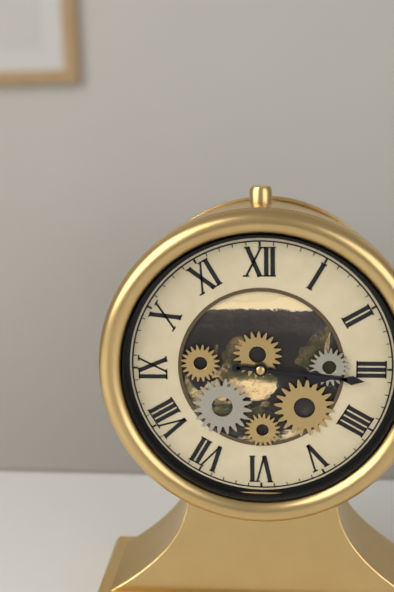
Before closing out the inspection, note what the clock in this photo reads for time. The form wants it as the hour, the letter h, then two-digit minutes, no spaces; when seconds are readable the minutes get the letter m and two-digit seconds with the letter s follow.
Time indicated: 3h16
